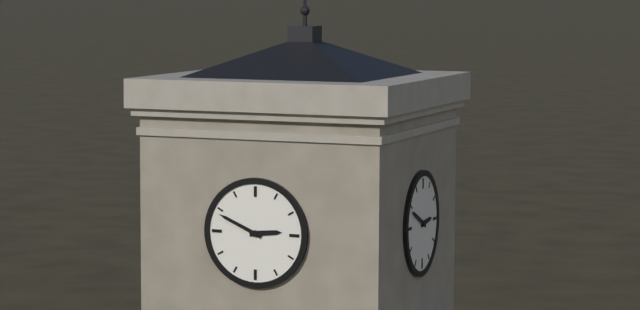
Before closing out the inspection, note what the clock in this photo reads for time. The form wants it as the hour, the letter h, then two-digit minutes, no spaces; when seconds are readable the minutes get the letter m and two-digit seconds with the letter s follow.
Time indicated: 2h49
